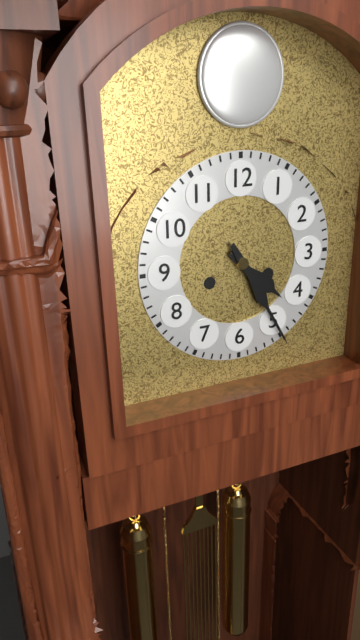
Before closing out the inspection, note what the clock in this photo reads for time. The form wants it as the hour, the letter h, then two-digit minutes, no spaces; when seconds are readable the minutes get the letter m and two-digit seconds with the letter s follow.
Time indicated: 4h25
